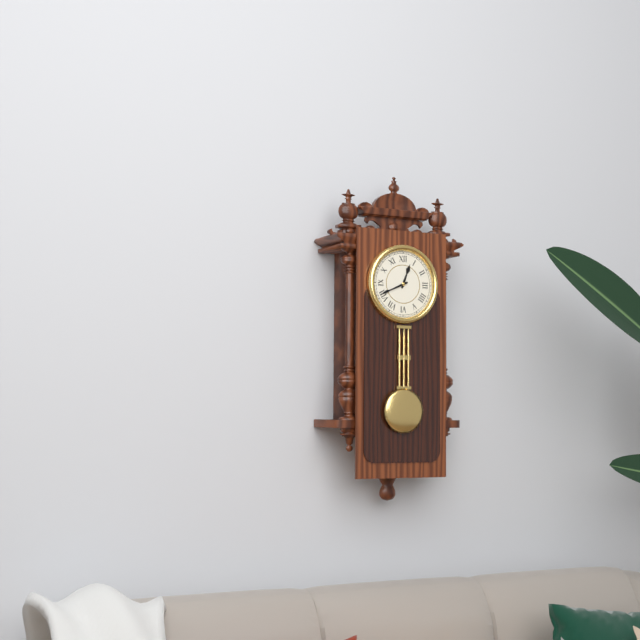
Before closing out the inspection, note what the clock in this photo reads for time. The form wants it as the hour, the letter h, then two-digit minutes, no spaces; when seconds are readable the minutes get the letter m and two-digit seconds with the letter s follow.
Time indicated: 12h41
